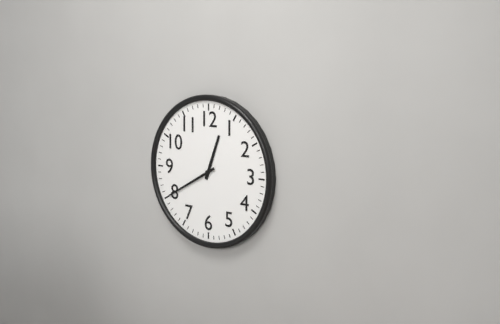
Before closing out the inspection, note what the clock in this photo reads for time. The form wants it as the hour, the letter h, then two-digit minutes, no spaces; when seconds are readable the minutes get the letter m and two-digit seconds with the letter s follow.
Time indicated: 12h40
